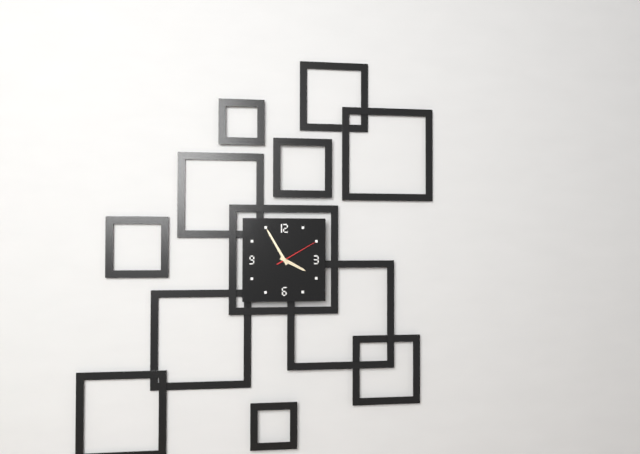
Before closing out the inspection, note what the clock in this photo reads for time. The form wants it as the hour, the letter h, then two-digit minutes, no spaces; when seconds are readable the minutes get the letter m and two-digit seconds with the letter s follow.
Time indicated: 3h55
